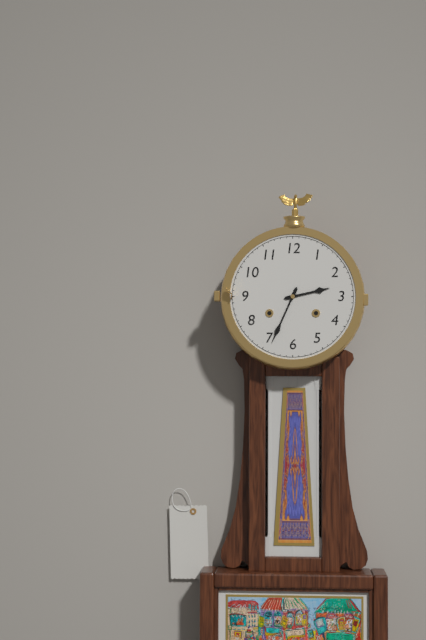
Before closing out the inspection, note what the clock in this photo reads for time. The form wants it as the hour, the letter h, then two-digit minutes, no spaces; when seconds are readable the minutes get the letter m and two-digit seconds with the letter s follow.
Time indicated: 2h34
